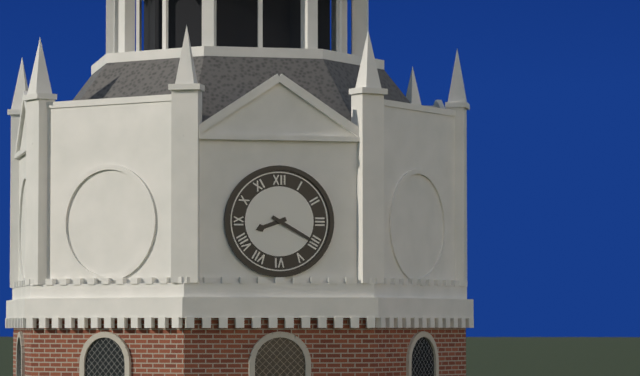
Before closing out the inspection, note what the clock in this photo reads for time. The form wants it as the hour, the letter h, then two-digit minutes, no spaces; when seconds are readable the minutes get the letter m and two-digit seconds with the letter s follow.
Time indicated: 8h20
